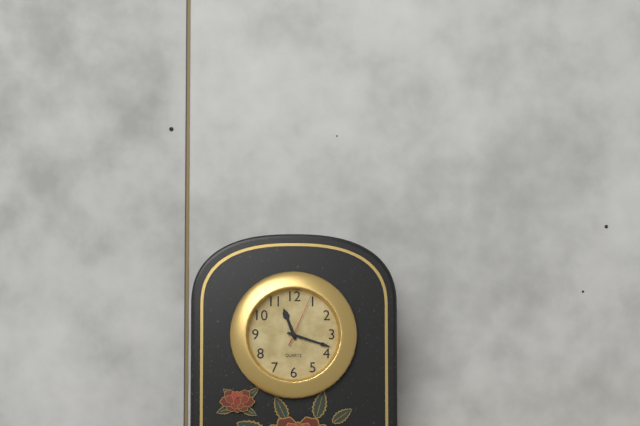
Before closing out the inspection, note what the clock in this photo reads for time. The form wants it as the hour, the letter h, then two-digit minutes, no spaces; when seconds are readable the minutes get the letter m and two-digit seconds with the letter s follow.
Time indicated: 11h18m04s
